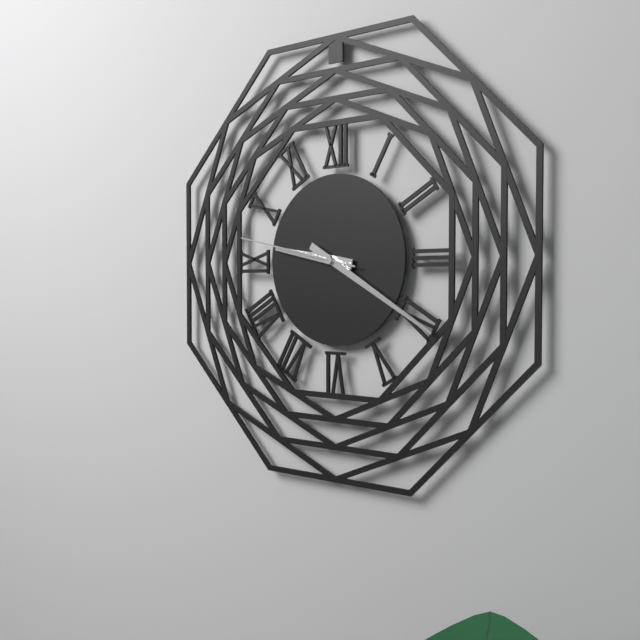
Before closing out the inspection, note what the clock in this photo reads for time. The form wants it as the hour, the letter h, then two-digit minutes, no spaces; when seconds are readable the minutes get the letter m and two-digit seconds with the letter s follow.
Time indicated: 9h20m47s
